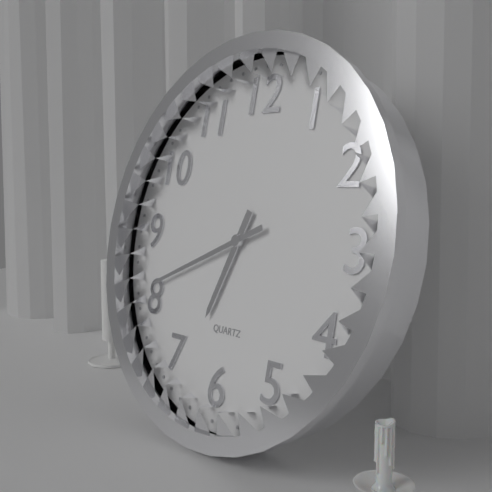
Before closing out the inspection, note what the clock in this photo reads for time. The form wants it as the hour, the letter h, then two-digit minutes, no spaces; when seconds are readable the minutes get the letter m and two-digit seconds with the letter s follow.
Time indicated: 6h41
